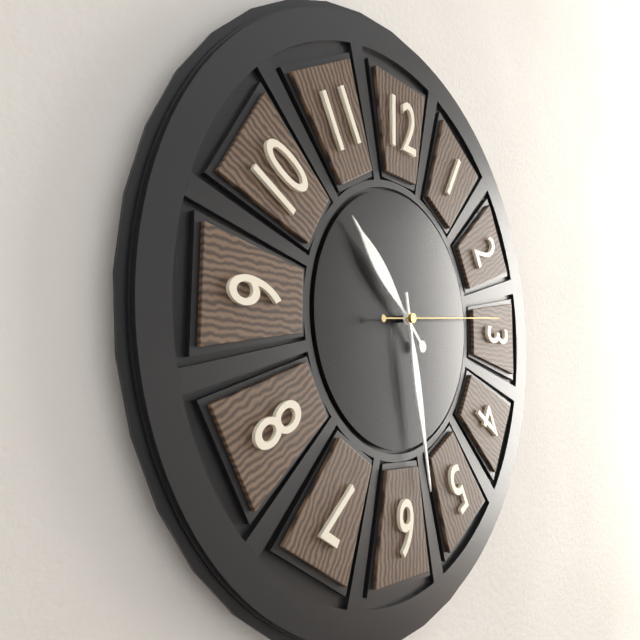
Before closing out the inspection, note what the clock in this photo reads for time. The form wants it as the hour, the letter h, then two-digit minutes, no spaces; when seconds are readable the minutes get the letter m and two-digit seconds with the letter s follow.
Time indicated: 10h28m14s
